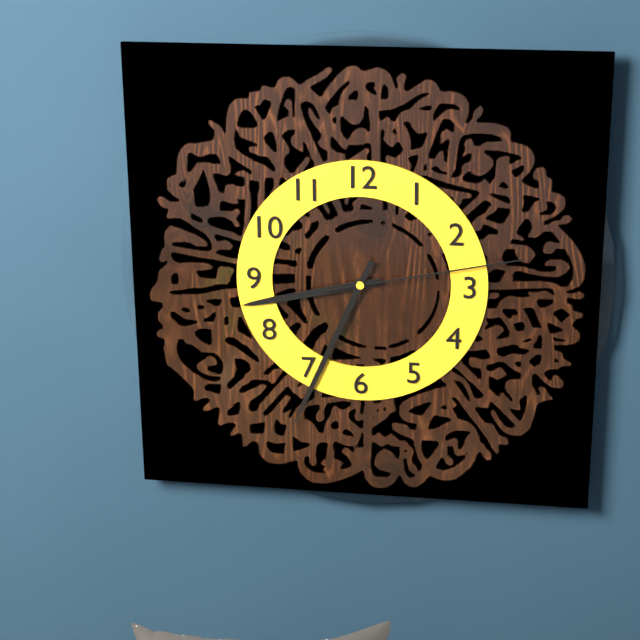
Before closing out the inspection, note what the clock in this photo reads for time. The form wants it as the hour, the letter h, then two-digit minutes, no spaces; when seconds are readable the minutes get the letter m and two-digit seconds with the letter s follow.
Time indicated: 8h34m13s
